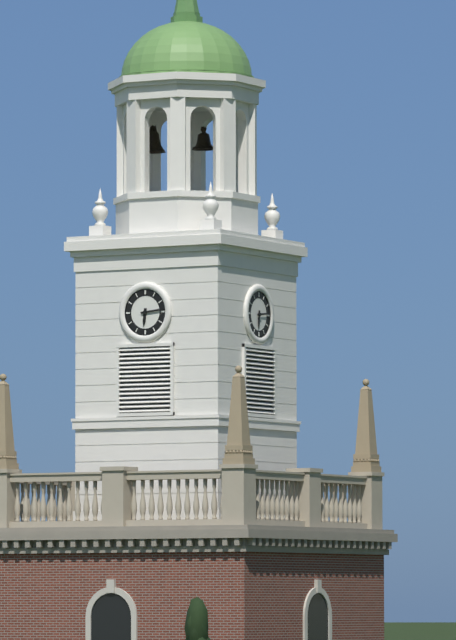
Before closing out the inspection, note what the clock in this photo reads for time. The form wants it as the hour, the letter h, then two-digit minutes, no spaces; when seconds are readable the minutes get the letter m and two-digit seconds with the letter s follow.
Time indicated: 6h14
